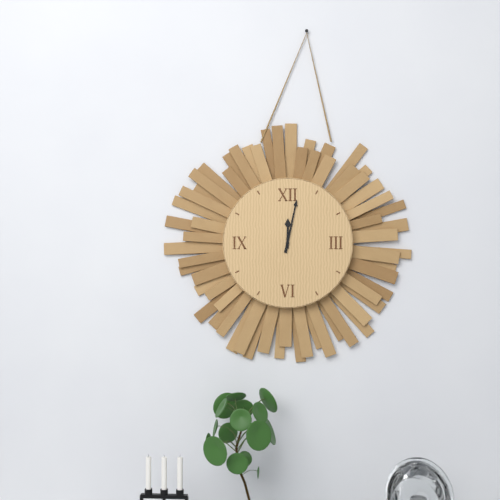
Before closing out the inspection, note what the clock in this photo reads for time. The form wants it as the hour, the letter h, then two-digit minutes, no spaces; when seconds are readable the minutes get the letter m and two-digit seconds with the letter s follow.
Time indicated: 12h02
